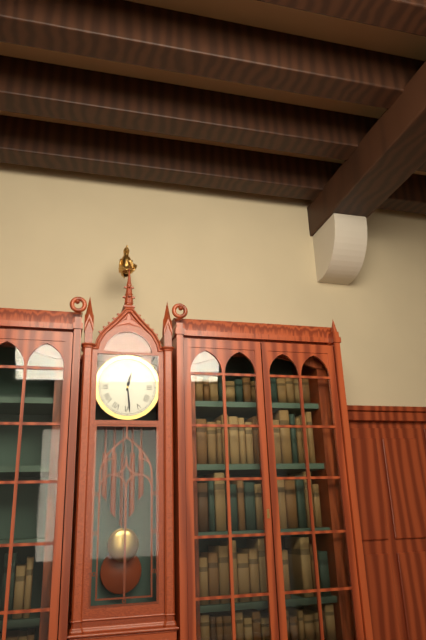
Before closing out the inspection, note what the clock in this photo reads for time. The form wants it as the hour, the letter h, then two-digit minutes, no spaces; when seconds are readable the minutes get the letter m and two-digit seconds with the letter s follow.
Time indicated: 12h29
